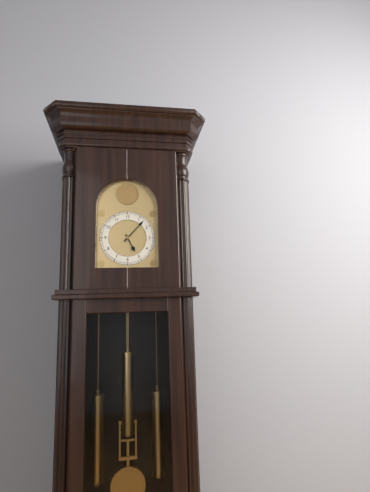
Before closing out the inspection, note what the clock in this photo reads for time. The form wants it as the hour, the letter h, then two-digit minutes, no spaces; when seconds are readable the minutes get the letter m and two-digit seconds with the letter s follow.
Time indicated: 5h07
